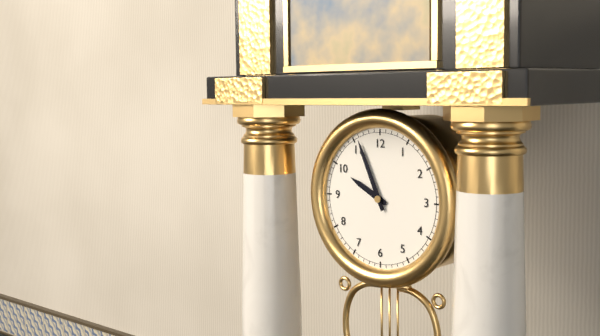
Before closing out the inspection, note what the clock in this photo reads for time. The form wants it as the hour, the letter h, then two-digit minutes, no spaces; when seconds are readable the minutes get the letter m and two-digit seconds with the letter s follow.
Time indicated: 9h56
